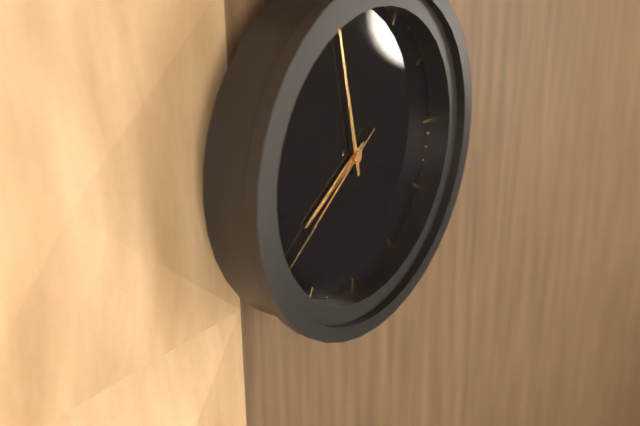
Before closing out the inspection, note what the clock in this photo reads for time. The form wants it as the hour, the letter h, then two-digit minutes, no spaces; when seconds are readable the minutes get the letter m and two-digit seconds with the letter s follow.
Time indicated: 7h58m39s
